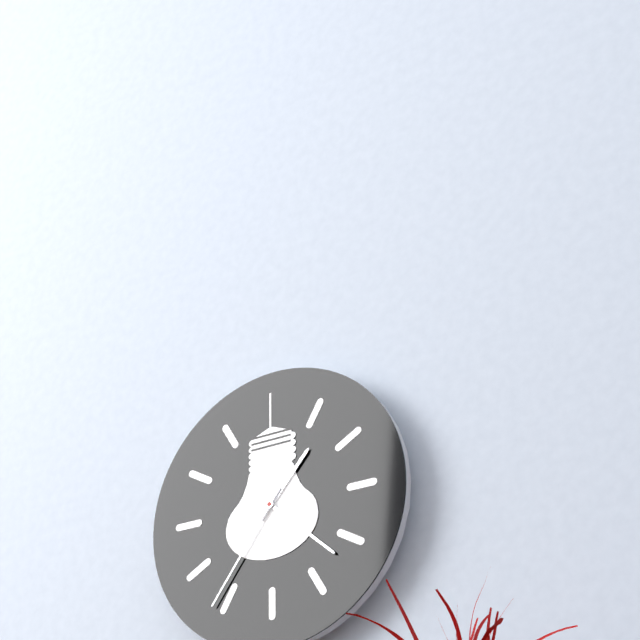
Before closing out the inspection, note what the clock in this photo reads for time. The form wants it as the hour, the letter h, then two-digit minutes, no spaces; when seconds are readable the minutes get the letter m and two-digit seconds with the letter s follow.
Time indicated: 1h22m36s
